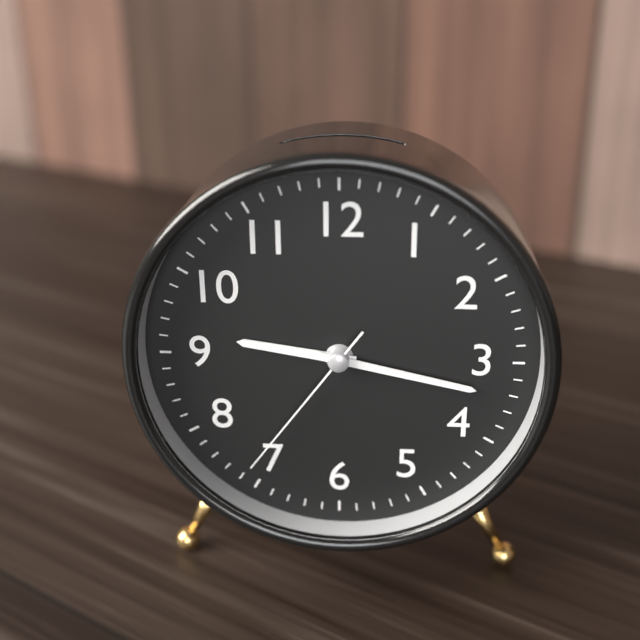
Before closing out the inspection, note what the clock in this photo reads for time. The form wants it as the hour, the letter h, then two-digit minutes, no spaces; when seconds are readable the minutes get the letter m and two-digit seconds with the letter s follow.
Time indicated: 9h17m36s
